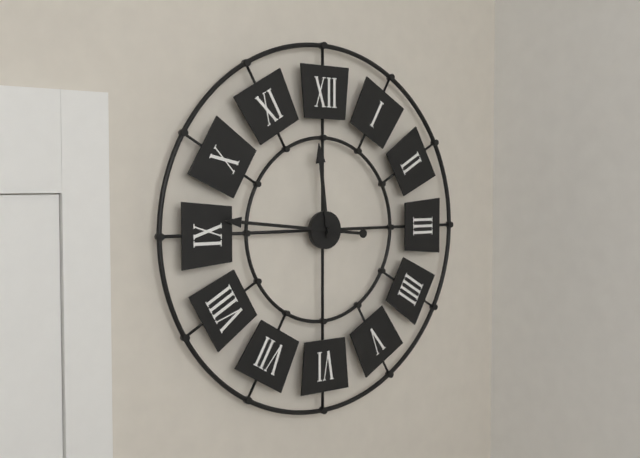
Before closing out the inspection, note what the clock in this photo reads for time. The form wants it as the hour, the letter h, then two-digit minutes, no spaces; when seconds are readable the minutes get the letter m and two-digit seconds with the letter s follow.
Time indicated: 11h46
